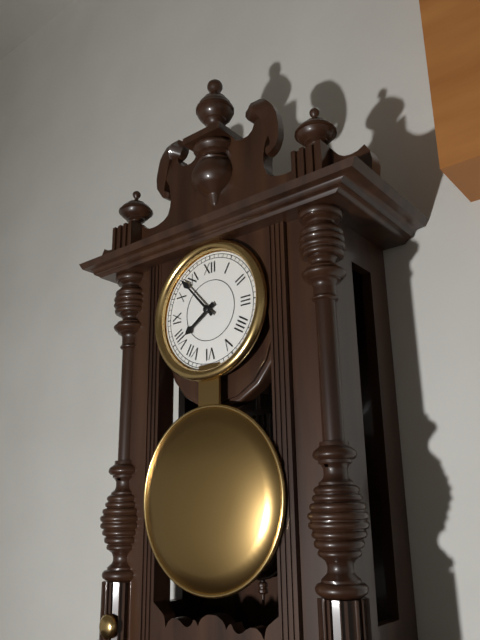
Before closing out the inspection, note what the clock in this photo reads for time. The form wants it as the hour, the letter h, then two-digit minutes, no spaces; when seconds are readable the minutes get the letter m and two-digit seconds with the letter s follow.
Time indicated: 7h53
